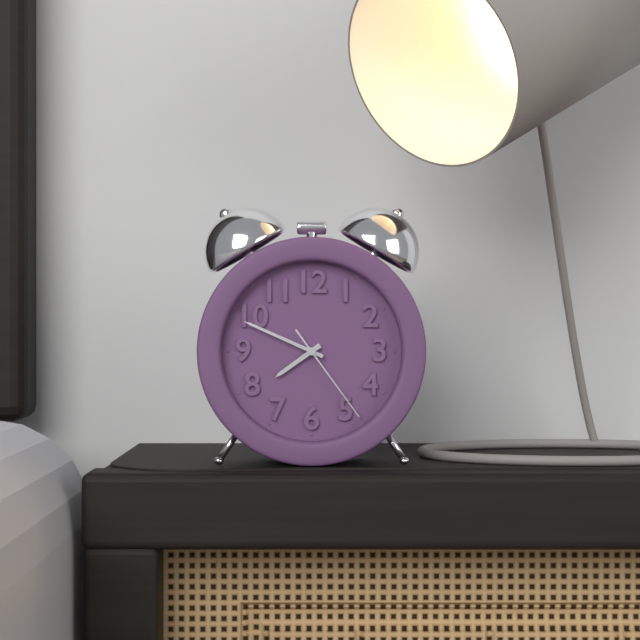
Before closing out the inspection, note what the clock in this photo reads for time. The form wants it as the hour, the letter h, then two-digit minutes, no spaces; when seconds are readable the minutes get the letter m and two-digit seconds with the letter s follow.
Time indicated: 7h49m24s
